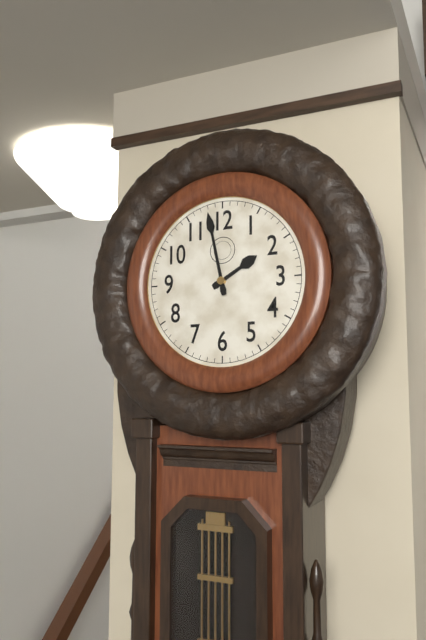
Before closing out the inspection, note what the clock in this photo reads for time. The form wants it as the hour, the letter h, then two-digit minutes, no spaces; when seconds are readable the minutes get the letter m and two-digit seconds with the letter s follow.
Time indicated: 1h58
